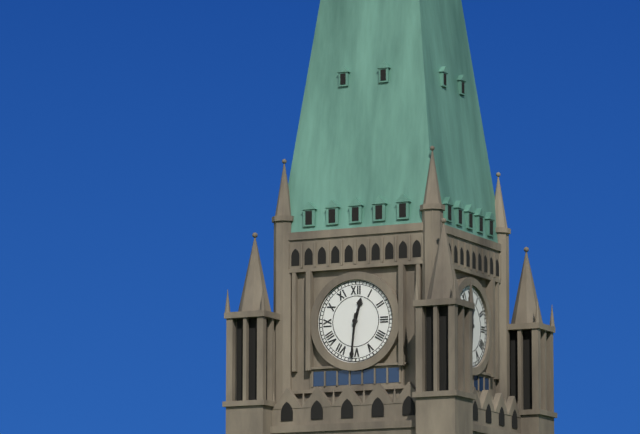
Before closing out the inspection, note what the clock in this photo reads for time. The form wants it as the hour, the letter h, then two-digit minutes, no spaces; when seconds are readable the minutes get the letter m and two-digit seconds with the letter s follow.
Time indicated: 12h31
